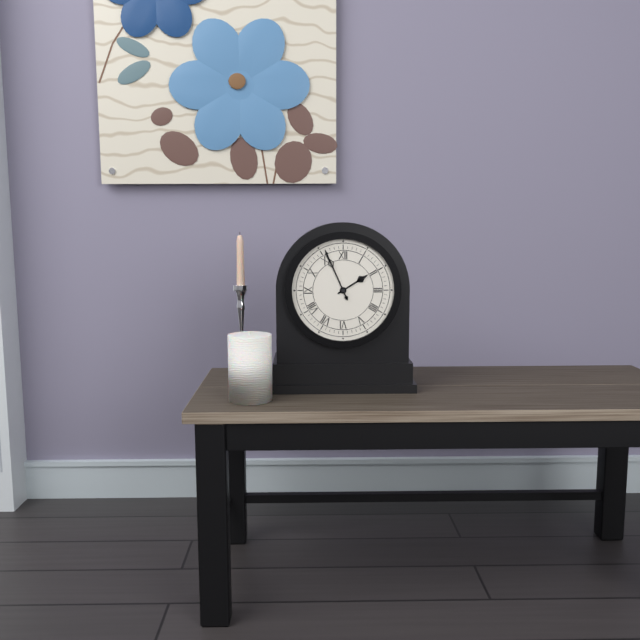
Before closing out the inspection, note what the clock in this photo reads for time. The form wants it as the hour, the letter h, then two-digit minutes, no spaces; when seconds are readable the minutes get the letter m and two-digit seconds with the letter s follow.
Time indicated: 1h56
